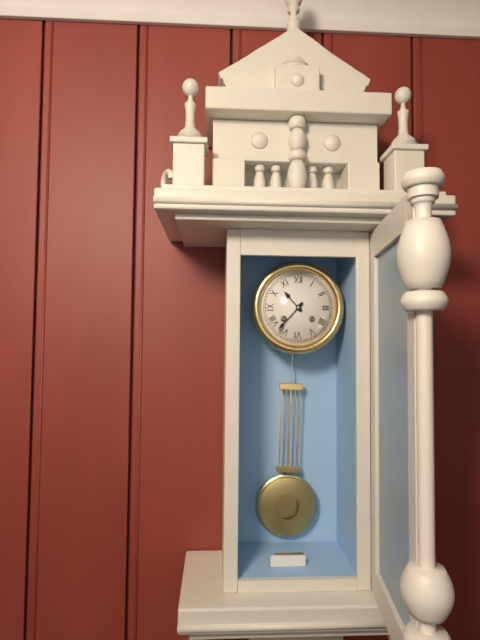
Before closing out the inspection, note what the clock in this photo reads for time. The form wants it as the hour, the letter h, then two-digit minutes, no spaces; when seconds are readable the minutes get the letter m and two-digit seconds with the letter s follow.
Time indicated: 10h37
